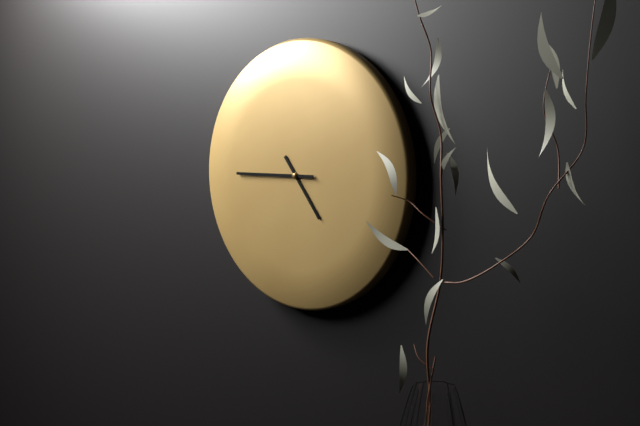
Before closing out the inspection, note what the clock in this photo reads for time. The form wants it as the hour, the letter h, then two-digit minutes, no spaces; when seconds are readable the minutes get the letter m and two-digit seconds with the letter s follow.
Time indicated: 4h45
